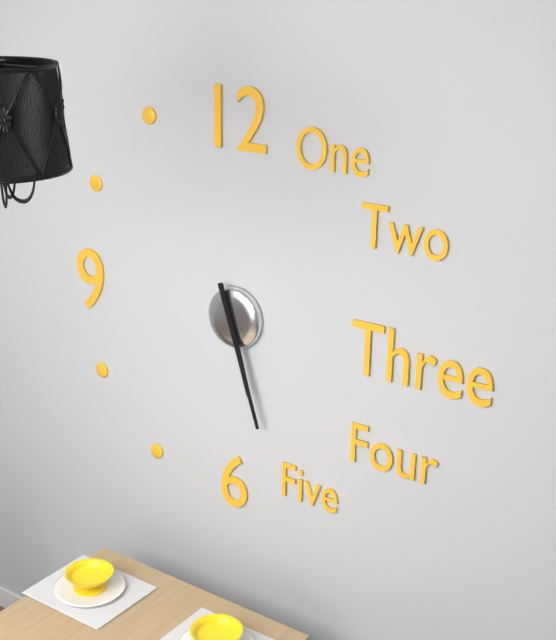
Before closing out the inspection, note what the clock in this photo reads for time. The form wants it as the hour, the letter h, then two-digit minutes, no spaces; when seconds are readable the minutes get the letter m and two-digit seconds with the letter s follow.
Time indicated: 5h27
